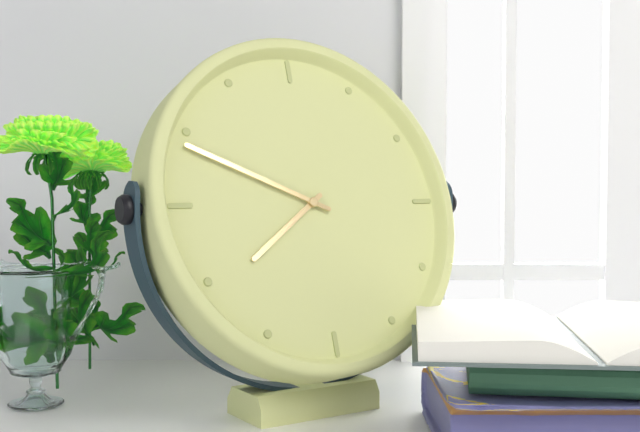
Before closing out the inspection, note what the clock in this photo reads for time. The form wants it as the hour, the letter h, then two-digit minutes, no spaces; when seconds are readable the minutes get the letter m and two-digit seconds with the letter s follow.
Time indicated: 7h49
